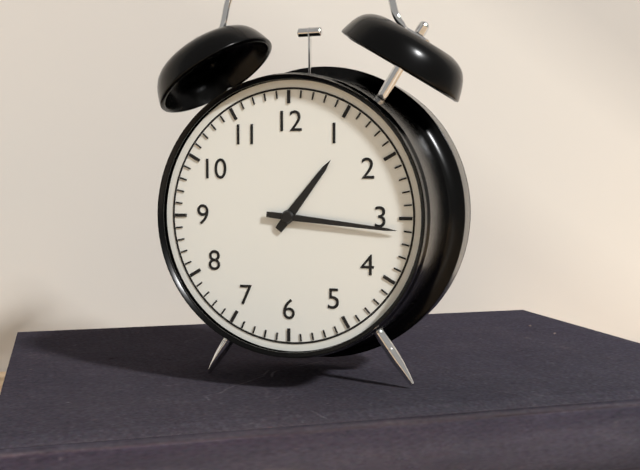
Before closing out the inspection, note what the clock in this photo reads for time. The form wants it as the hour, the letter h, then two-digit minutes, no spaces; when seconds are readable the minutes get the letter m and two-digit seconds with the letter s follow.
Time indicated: 1h16
